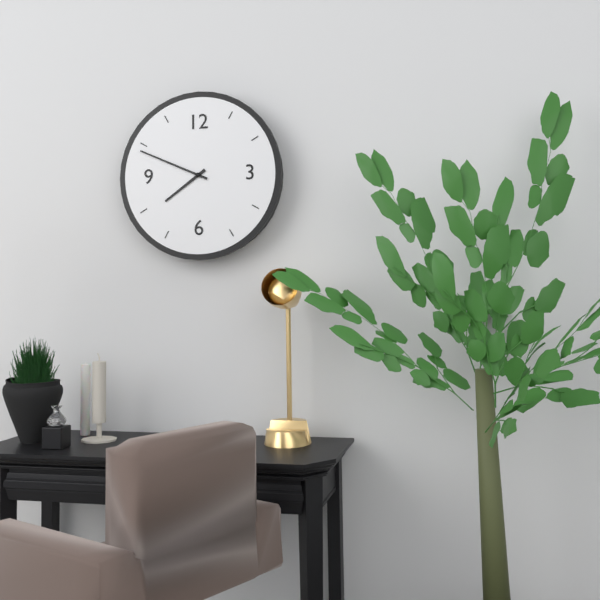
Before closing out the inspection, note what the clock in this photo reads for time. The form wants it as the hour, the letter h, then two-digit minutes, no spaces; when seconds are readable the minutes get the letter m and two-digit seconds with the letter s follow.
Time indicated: 7h49
